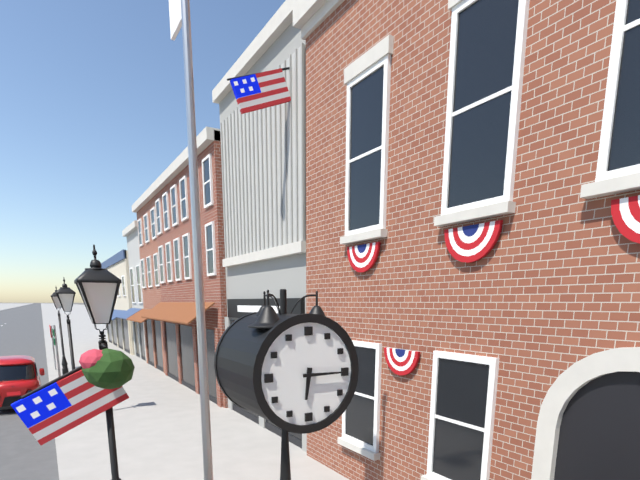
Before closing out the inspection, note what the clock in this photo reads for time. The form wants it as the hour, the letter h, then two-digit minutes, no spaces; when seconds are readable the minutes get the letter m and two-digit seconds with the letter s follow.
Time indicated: 6h15
